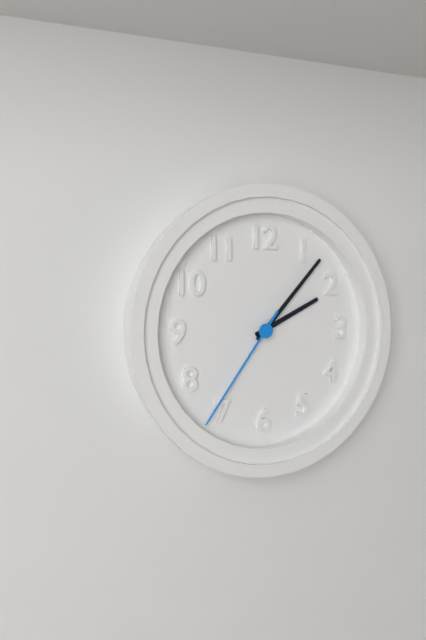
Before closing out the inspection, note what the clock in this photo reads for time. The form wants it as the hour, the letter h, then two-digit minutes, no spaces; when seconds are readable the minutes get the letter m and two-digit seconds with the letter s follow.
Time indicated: 2h07m36s
